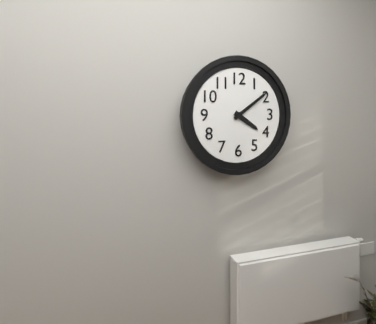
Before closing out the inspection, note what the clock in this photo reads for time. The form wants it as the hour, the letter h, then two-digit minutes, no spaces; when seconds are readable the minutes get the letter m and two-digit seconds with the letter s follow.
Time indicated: 4h09
